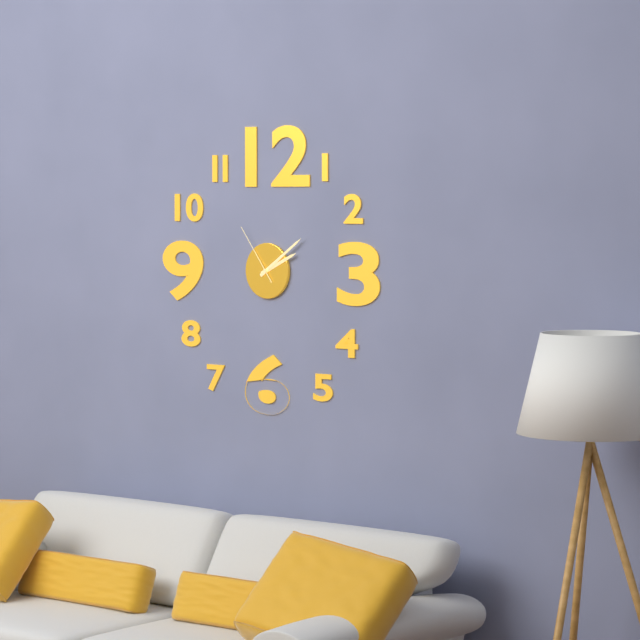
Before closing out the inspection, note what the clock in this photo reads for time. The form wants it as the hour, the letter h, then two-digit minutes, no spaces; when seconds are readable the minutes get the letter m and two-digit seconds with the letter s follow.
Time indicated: 2h09m54s
